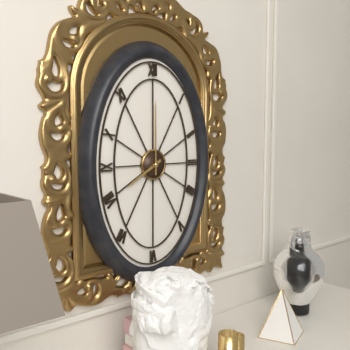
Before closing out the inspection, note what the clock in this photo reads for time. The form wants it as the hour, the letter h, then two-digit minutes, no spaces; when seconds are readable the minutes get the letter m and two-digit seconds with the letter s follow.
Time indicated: 8h00
